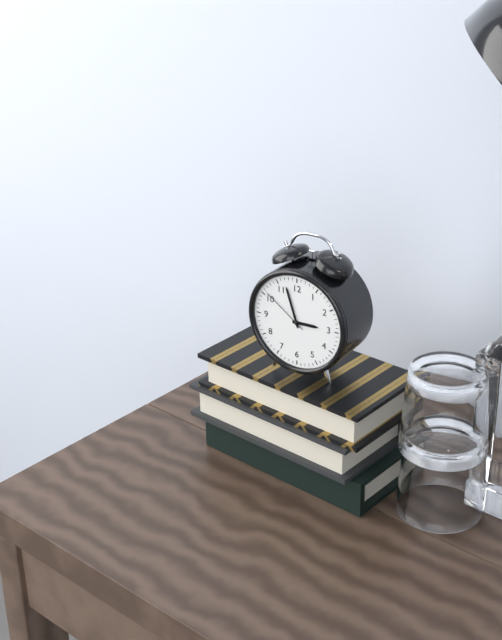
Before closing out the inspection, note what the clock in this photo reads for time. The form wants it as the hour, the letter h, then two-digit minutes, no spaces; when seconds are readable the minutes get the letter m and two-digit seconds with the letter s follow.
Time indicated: 2h57m51s
